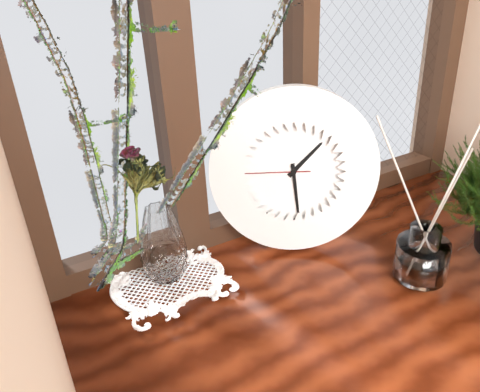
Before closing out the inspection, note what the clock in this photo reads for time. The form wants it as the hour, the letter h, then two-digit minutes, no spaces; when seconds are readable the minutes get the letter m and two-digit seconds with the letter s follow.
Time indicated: 1h29m45s
